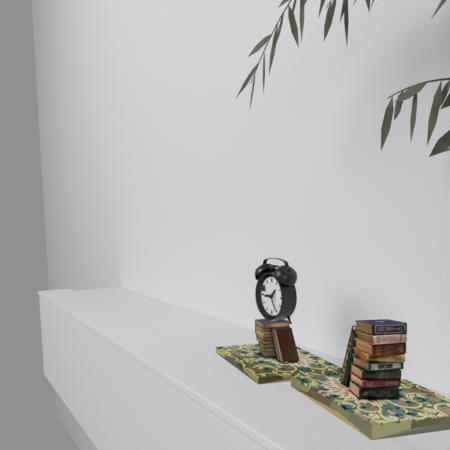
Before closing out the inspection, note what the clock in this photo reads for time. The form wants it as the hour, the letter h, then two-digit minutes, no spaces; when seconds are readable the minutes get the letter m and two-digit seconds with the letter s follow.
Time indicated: 1h25
